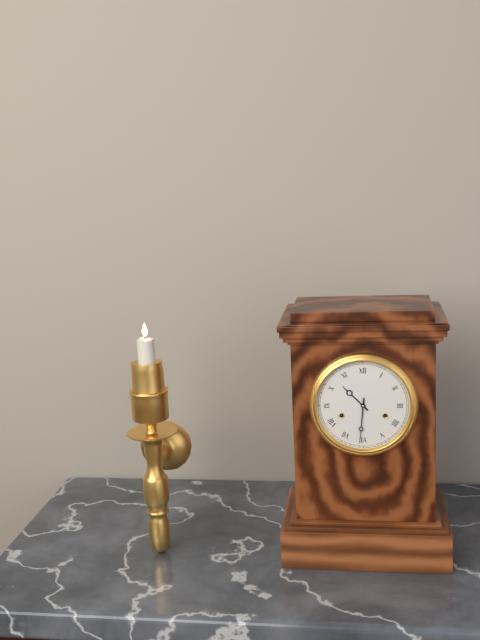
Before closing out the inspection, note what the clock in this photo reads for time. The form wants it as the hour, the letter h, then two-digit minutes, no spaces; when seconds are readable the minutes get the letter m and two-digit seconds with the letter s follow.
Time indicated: 10h31
